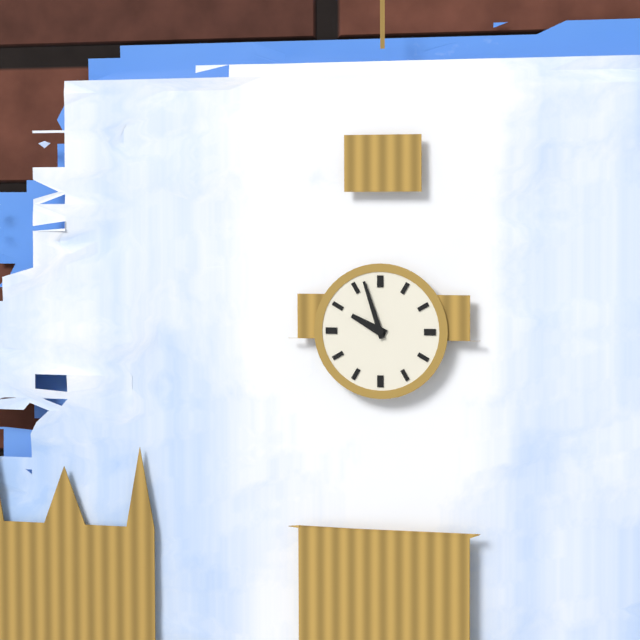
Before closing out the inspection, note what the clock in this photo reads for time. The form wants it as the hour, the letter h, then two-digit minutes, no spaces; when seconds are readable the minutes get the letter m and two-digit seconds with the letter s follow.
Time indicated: 9h57
